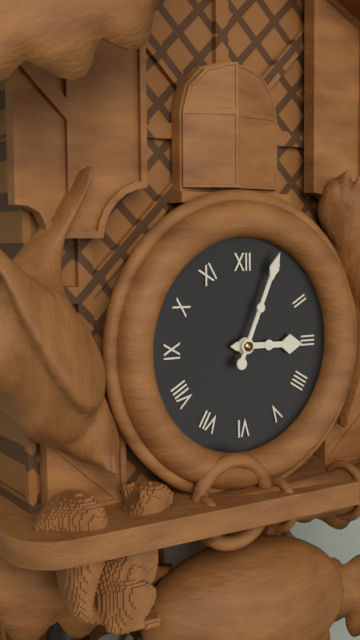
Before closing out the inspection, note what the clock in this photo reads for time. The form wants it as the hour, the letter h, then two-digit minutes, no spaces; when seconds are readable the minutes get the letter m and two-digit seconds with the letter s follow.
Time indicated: 3h04
